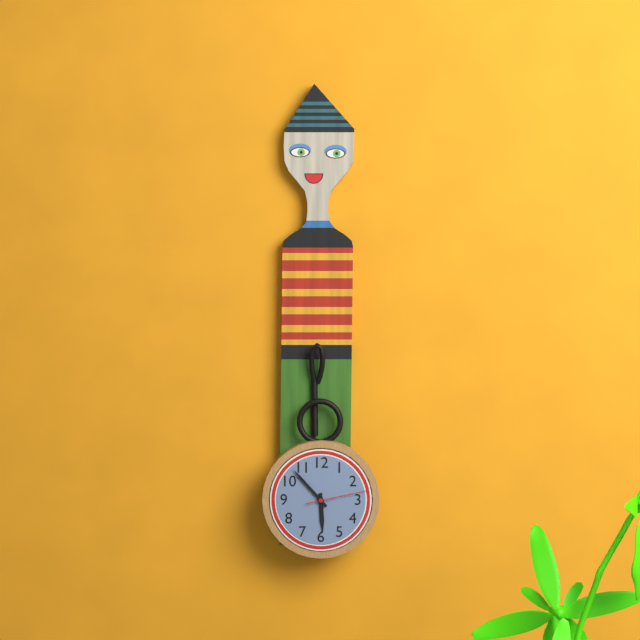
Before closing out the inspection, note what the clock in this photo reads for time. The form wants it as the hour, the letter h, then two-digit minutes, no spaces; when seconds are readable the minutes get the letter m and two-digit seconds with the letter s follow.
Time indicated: 5h53m13s
